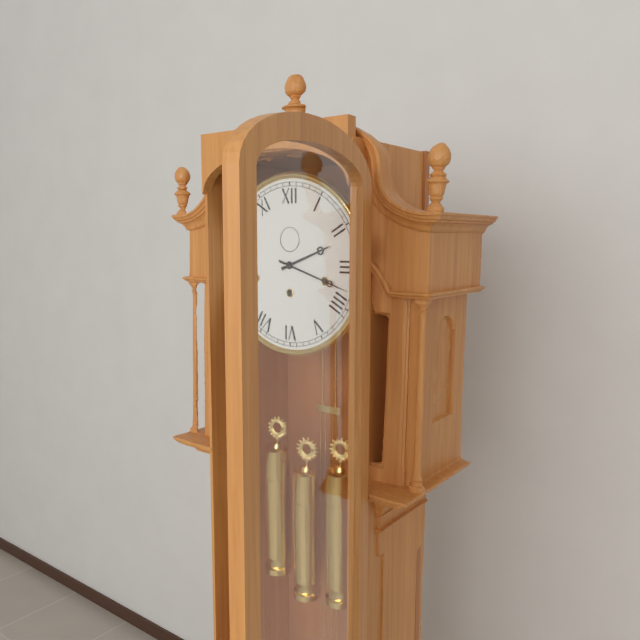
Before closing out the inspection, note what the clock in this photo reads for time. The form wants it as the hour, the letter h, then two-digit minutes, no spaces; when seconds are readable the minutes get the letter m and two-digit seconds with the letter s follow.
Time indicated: 2h18
